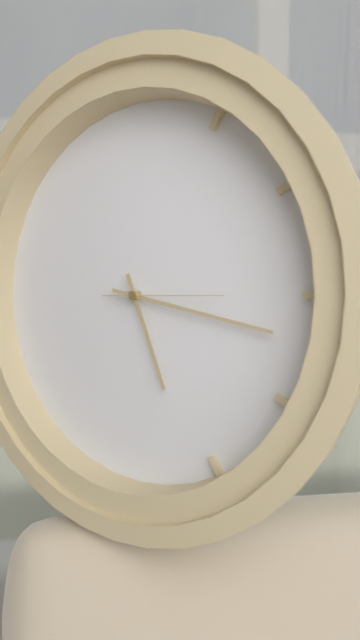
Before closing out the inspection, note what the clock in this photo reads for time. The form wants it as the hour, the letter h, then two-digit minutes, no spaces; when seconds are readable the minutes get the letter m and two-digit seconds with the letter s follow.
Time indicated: 5h17m15s
